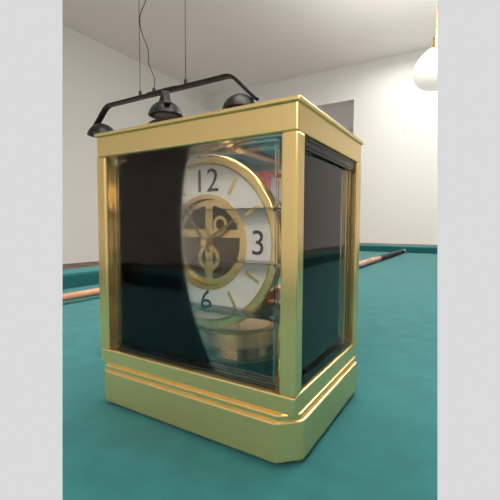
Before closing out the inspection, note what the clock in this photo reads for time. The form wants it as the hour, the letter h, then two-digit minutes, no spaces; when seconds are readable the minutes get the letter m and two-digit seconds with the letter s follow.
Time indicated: 1h54
